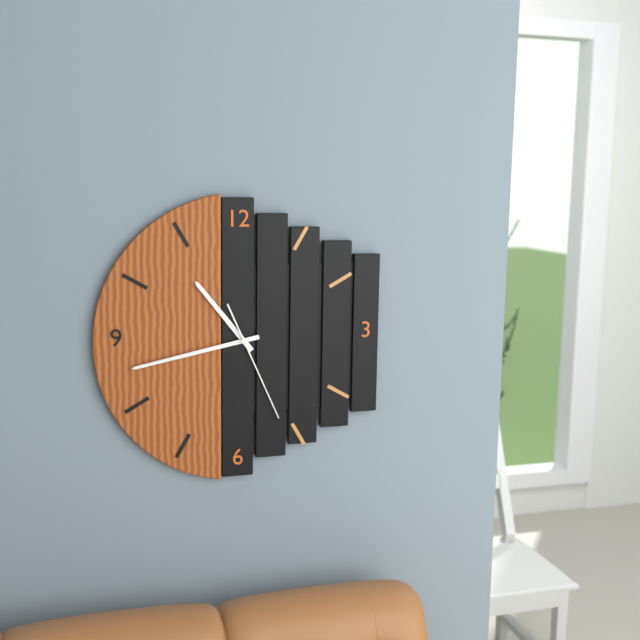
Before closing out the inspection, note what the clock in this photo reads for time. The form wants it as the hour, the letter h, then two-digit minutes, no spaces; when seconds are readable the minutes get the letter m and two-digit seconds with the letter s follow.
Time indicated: 10h43m26s
